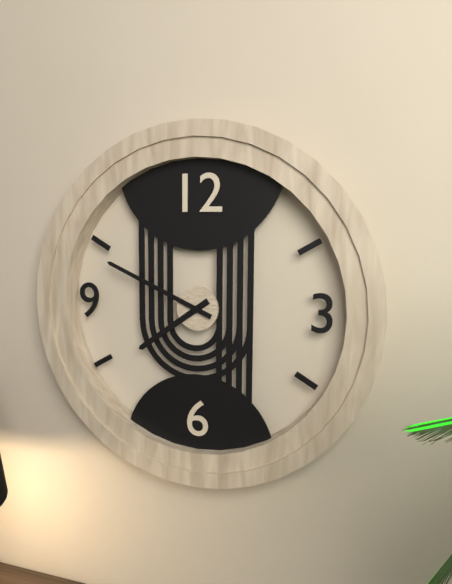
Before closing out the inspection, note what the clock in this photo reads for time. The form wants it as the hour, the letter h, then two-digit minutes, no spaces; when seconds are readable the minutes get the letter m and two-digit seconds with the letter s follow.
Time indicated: 7h49
